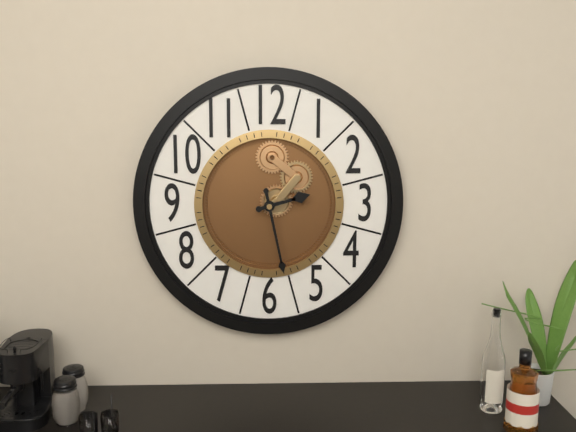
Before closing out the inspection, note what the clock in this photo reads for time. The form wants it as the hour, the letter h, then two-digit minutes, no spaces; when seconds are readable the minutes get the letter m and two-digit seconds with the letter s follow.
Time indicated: 2h28
